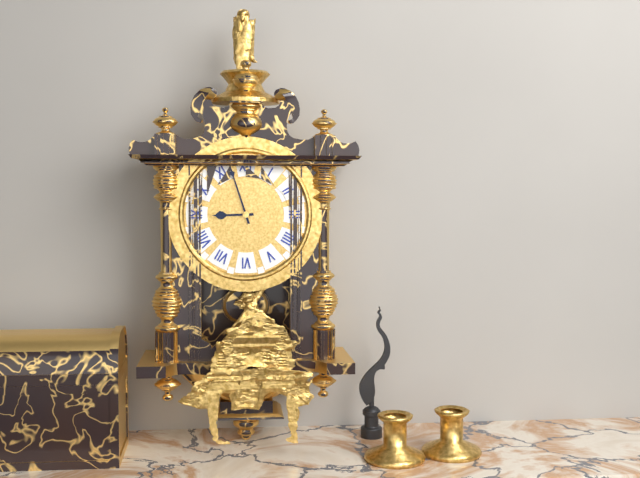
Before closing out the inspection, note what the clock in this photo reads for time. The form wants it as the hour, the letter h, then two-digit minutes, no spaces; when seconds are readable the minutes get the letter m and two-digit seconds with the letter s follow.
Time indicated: 8h57
